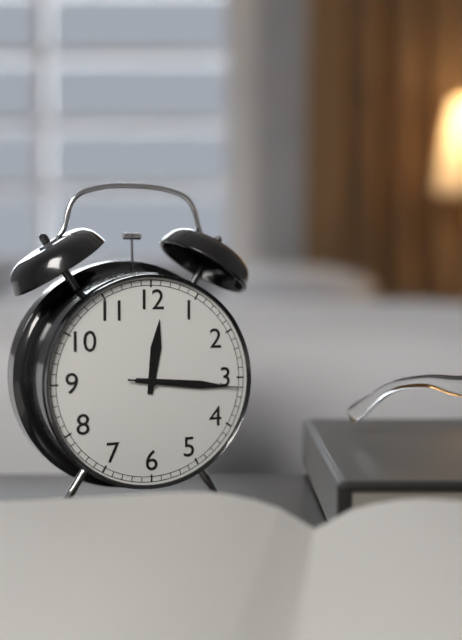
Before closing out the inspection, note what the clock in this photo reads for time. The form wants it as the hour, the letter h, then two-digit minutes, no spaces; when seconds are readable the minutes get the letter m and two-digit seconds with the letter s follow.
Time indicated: 12h16m16s
